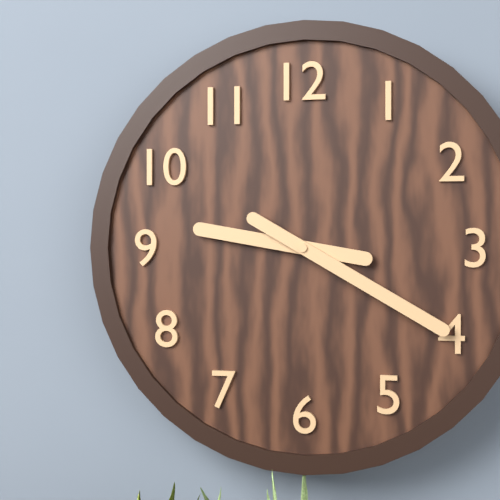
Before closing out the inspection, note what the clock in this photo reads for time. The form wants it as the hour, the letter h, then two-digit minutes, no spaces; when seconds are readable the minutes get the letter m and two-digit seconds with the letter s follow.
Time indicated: 9h20
